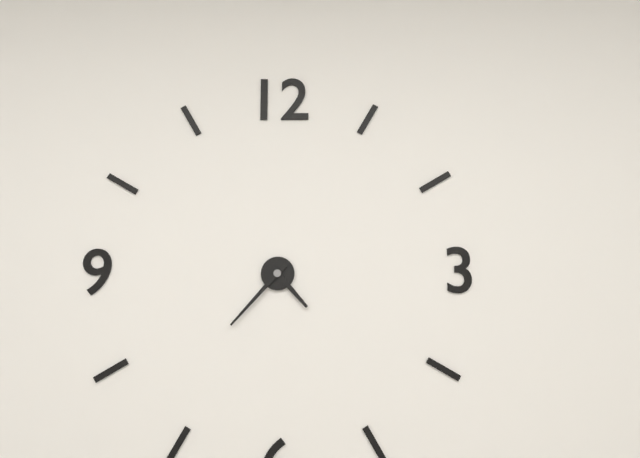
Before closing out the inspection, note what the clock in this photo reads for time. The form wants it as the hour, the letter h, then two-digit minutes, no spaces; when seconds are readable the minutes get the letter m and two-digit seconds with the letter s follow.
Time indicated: 4h37
